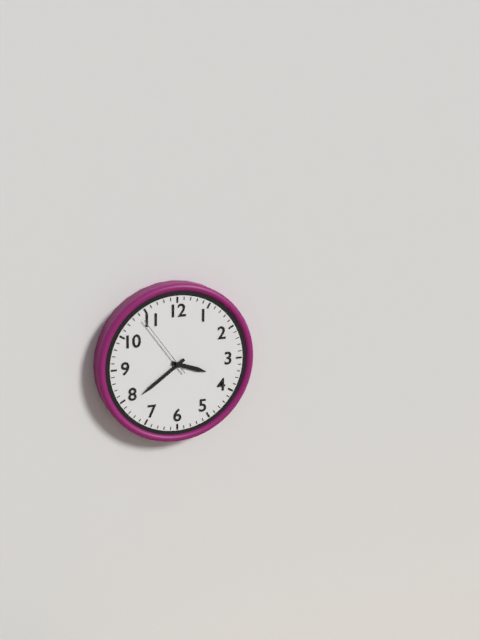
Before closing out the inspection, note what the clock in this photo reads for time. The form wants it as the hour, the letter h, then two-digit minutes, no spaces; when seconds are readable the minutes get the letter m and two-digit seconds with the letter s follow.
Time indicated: 3h39m54s
